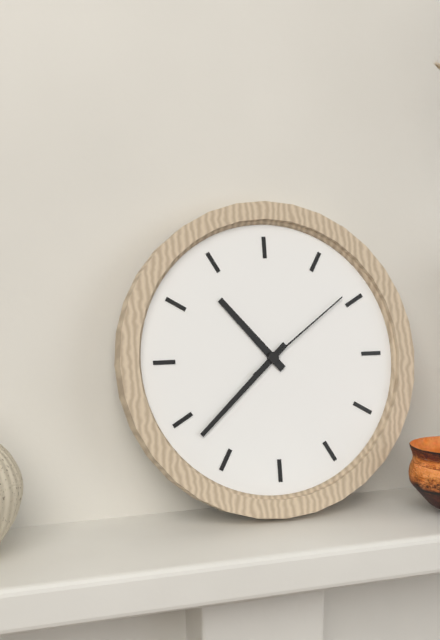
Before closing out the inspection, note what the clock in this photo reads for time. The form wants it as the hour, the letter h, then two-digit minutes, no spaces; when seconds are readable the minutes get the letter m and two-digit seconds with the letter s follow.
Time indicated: 10h38m09s
